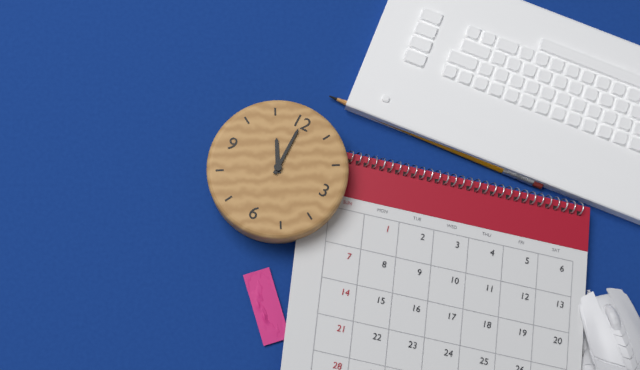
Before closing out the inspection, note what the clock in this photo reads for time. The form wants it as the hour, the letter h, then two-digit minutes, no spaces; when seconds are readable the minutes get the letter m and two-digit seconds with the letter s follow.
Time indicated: 11h00
